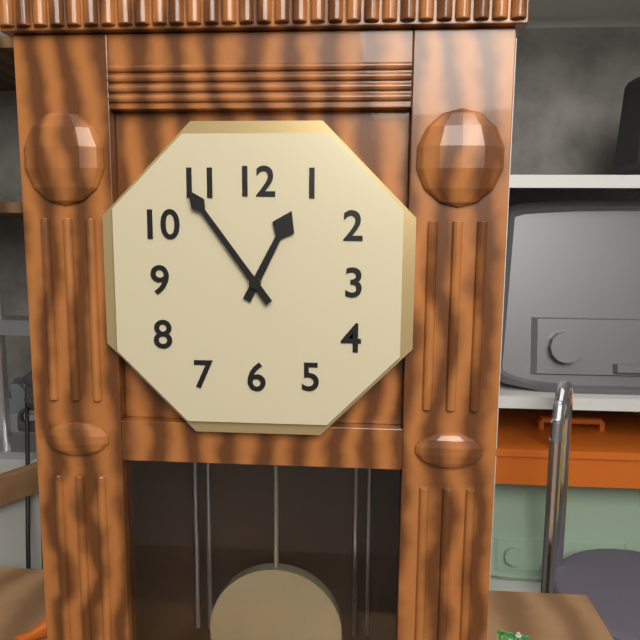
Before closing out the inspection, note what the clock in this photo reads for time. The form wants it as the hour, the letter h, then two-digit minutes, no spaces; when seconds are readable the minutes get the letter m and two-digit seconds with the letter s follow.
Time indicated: 12h54
